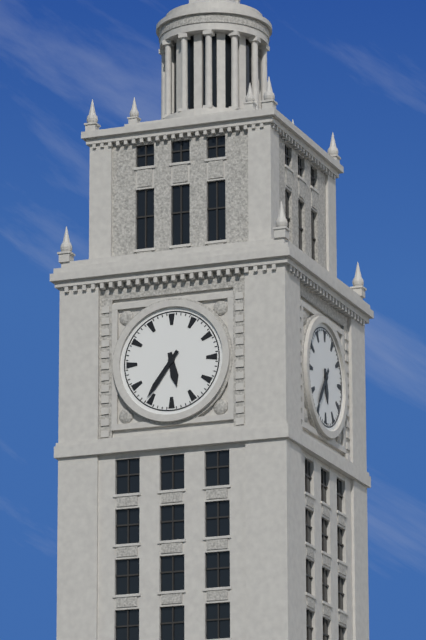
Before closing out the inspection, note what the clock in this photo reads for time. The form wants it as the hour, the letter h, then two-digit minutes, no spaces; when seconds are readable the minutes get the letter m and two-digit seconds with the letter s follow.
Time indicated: 5h36
